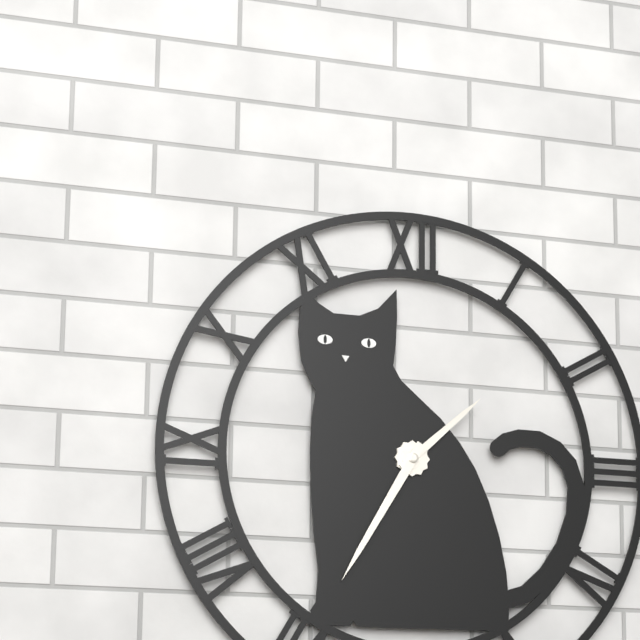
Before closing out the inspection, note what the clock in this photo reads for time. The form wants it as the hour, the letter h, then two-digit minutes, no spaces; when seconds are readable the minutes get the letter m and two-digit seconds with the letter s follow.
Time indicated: 1h35
